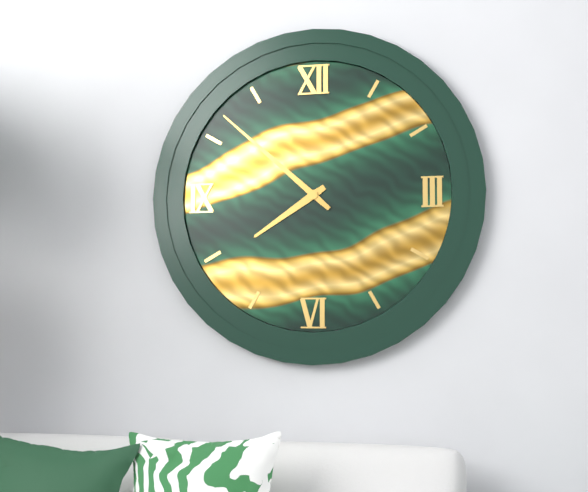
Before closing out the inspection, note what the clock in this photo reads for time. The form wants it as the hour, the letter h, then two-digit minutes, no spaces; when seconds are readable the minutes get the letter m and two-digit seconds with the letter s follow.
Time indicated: 7h52
